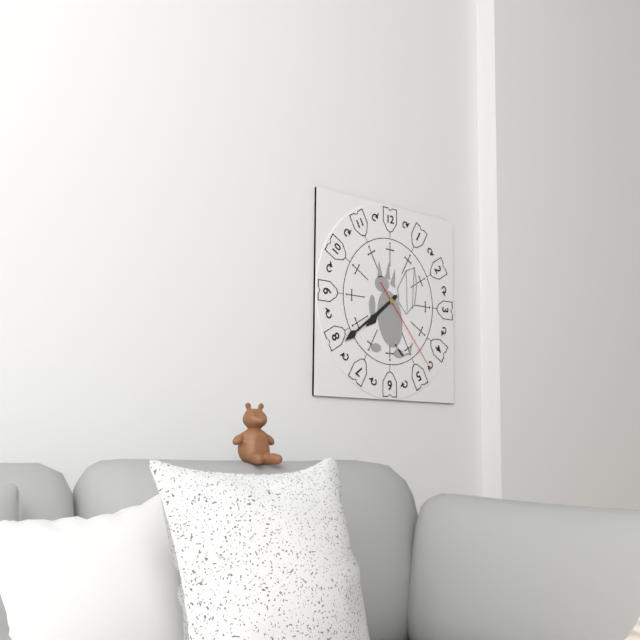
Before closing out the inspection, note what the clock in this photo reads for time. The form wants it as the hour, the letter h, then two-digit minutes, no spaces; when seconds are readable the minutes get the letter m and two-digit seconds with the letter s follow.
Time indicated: 7h39m23s
